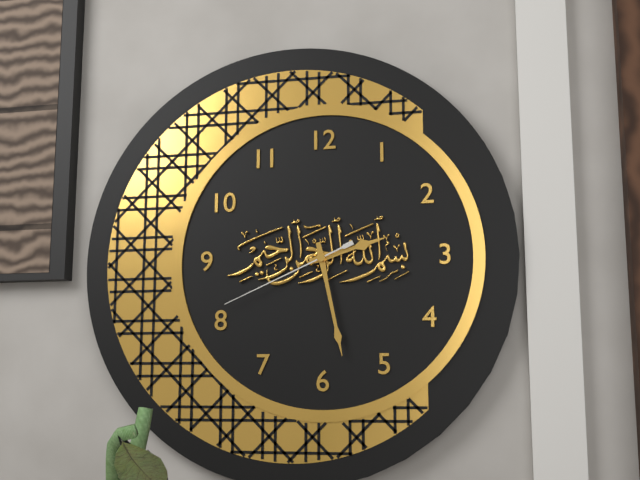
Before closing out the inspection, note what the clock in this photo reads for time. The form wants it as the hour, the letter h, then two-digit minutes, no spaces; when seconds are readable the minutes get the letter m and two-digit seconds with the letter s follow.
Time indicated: 2h28m41s
